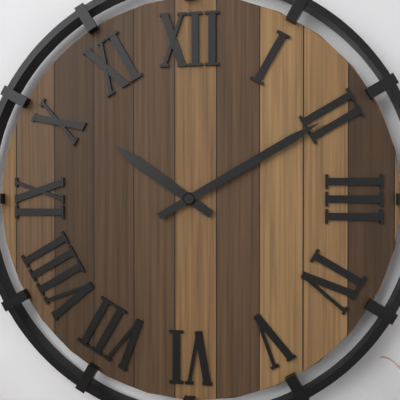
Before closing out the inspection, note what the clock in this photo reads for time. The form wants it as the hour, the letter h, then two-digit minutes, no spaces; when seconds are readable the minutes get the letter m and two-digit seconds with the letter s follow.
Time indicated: 10h10
